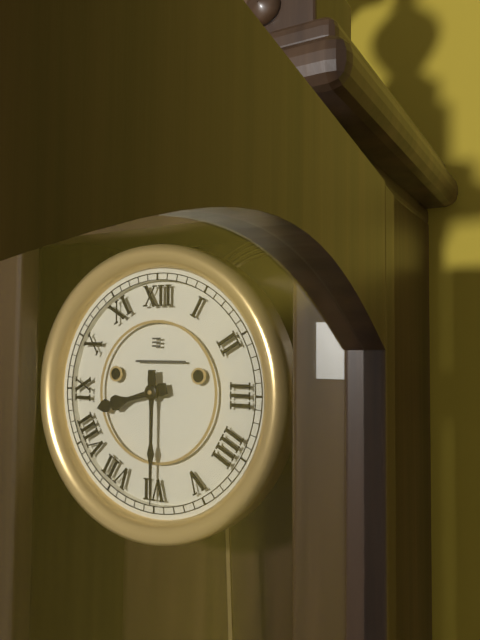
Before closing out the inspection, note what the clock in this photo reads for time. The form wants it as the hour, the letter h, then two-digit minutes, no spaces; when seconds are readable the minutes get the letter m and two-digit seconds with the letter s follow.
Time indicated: 8h30
